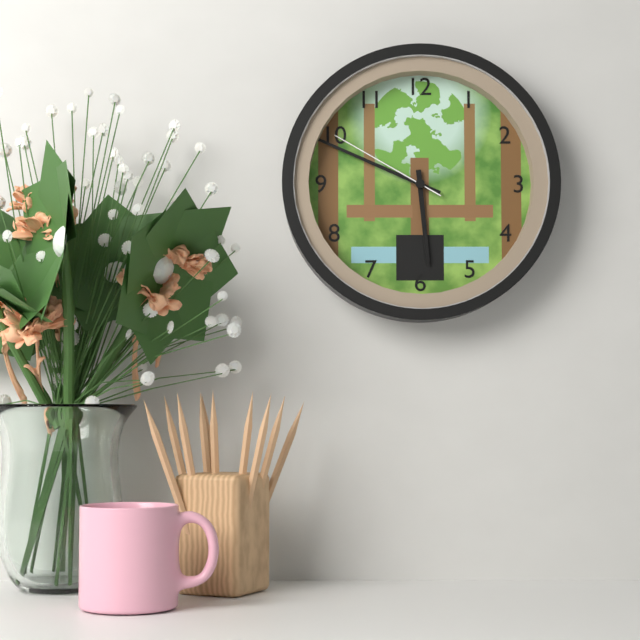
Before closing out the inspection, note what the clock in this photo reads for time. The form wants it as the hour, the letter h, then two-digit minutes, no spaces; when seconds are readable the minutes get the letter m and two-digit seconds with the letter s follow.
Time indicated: 5h49m50s
